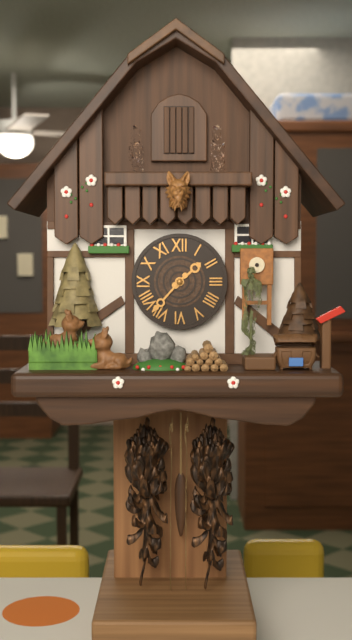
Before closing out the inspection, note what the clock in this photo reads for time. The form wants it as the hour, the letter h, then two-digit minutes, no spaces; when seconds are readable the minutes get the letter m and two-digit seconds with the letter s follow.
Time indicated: 1h37
